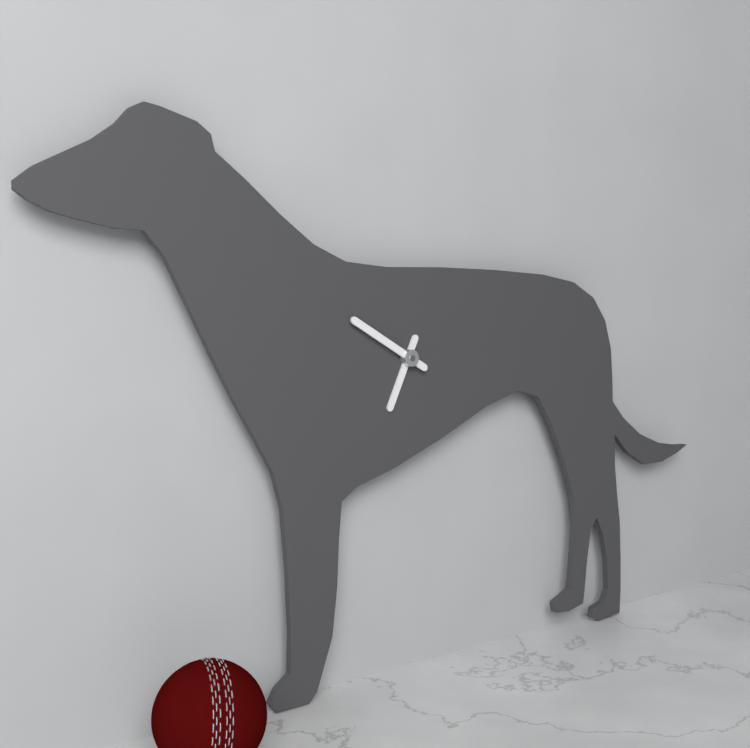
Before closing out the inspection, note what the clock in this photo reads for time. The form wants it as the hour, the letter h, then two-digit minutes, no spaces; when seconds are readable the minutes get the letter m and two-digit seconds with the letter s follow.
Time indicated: 6h50
